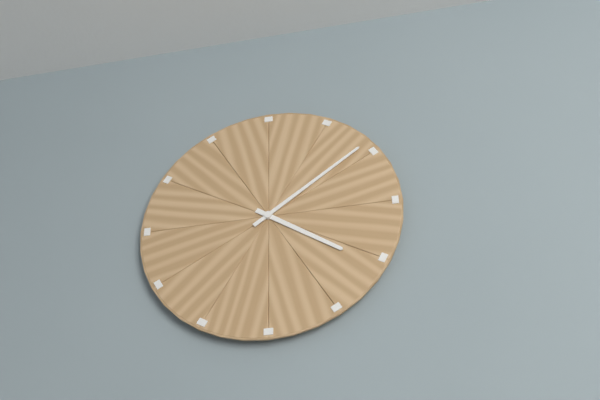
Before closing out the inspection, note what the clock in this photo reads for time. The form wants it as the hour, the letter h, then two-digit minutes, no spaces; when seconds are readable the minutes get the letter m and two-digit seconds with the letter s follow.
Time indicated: 4h09
